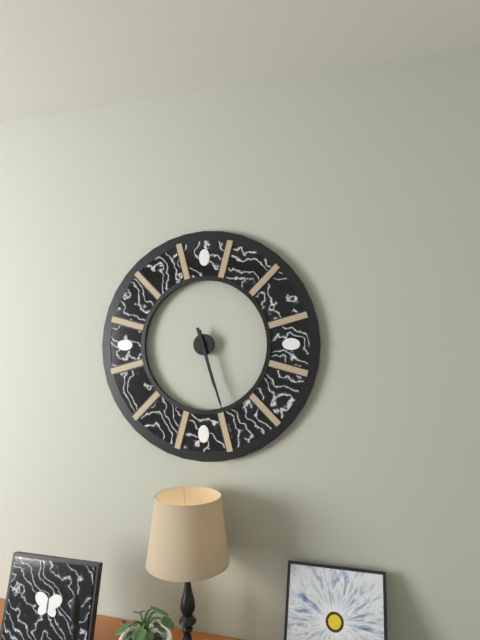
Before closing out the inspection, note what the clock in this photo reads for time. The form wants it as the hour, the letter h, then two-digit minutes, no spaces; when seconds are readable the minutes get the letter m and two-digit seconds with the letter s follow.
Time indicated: 5h27
